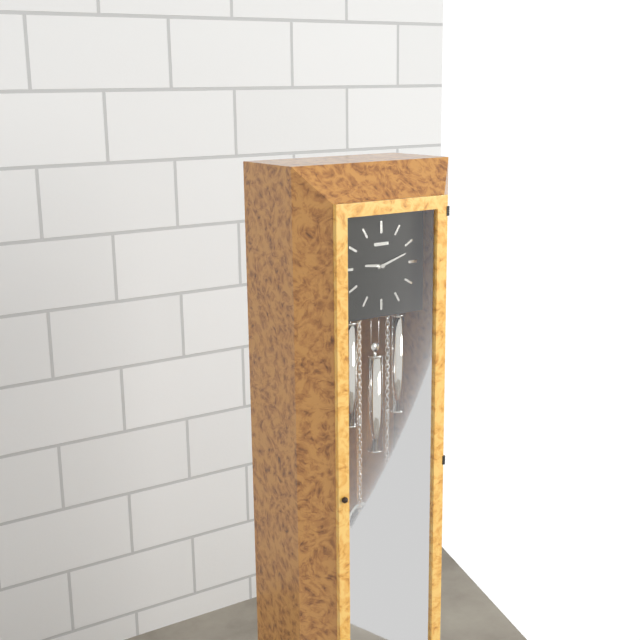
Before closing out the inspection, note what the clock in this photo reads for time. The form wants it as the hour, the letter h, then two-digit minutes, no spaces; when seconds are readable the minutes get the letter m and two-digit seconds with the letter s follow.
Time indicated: 9h12
